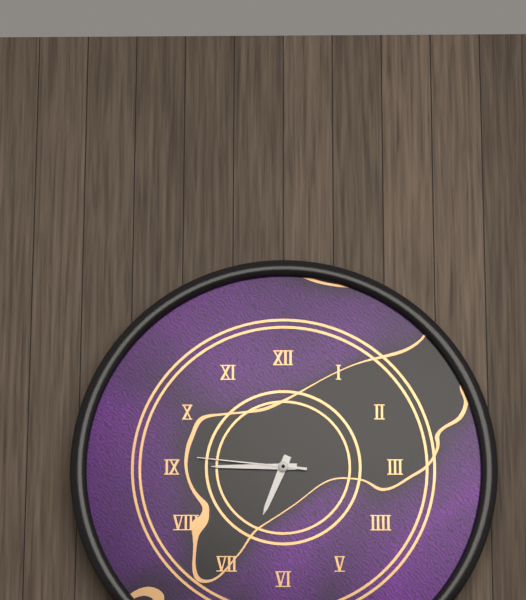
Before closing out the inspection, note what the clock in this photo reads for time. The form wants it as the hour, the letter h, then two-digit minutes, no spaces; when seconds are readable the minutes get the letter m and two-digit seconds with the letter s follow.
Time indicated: 6h45m46s
